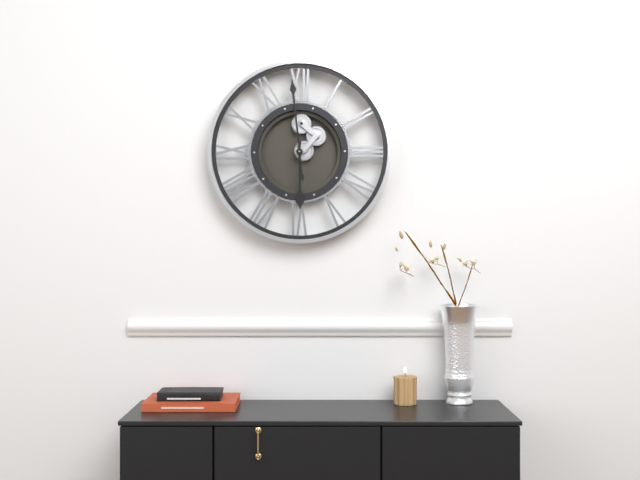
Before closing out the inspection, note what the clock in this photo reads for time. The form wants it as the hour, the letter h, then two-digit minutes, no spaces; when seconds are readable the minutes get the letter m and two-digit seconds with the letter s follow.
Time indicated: 5h59
